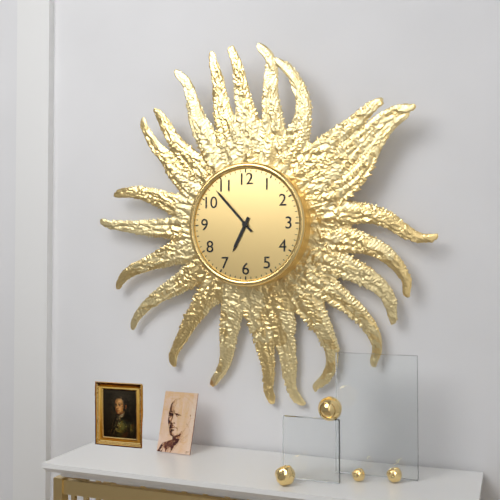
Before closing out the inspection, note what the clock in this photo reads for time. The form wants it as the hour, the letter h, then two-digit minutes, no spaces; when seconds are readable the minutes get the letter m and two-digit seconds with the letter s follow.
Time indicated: 6h53
